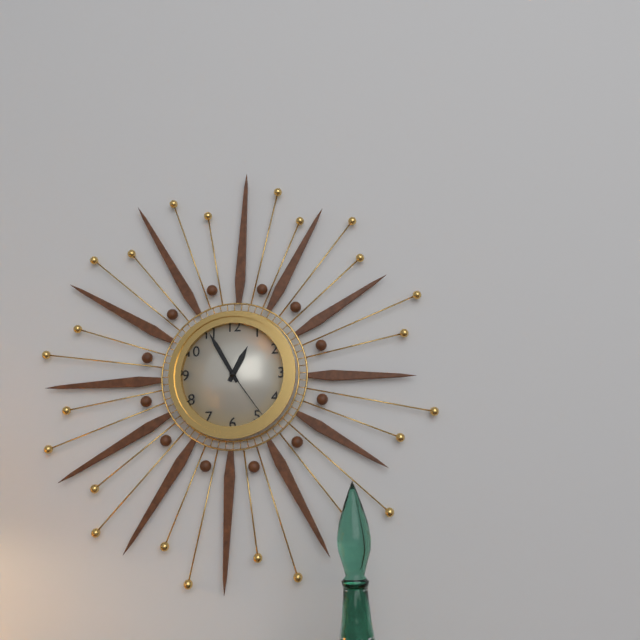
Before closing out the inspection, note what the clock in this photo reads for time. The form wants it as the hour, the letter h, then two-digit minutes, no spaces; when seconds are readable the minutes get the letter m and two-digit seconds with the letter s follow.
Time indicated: 12h55m24s
